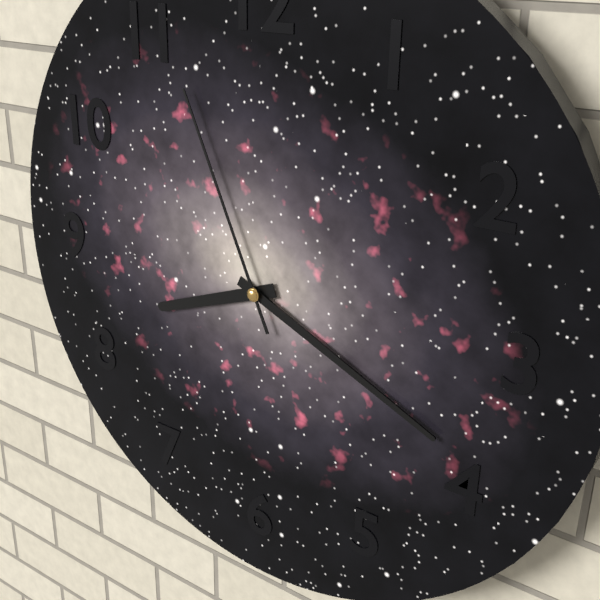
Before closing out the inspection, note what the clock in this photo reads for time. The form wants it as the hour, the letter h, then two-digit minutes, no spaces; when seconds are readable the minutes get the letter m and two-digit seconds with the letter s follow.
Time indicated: 8h19m56s
